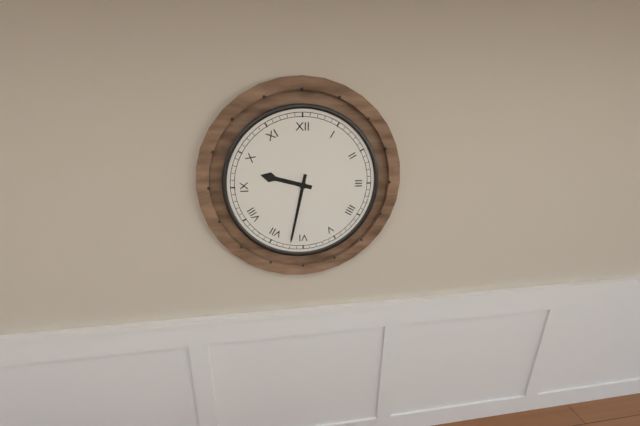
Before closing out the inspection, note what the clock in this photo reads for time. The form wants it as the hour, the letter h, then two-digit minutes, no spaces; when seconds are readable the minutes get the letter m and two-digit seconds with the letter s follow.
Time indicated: 9h32
